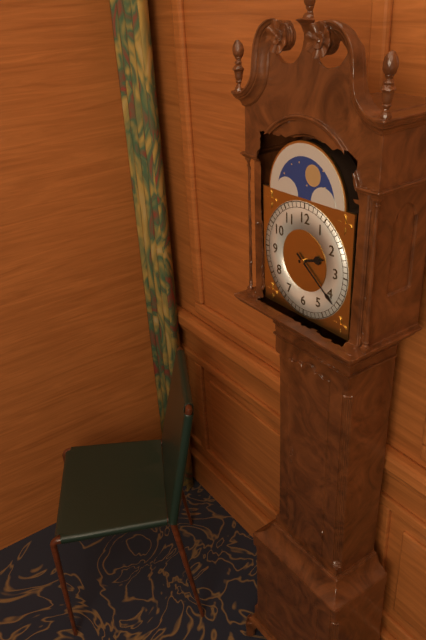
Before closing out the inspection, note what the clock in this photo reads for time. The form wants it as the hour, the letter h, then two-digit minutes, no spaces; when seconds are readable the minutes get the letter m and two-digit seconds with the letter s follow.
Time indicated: 2h21
